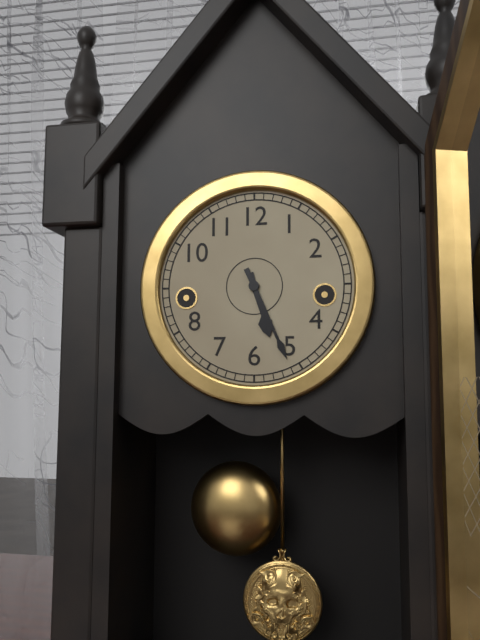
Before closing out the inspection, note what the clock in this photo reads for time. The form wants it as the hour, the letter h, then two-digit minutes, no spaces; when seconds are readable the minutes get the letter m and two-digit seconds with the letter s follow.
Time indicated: 5h26
